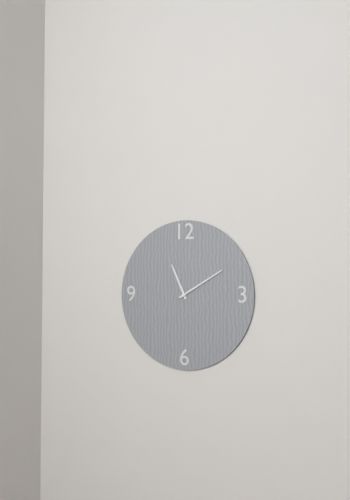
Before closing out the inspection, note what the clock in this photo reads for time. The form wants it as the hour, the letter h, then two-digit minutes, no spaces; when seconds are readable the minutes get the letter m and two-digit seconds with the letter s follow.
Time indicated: 11h10
